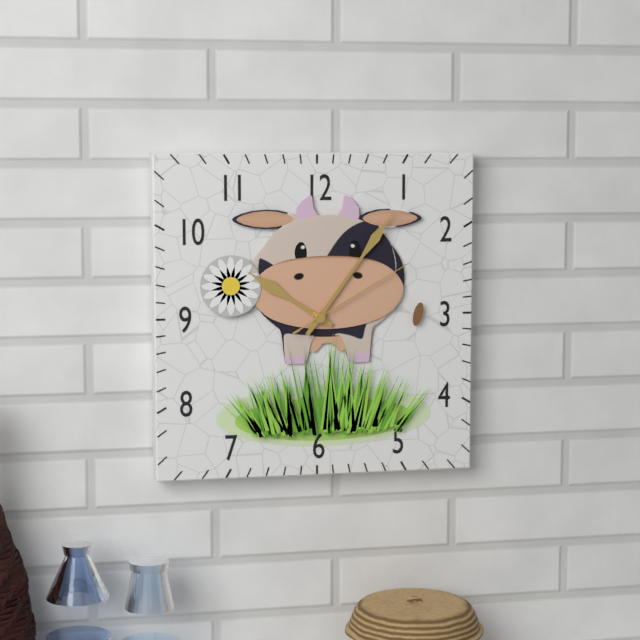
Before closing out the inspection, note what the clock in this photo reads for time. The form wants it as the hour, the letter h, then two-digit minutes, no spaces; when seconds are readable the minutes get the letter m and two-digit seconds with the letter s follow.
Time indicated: 10h06m10s
